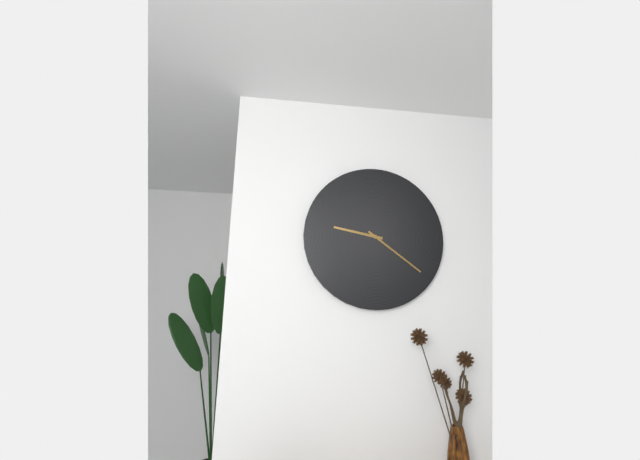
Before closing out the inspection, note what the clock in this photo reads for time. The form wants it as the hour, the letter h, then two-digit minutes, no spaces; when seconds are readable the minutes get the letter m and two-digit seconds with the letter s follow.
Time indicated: 9h21
